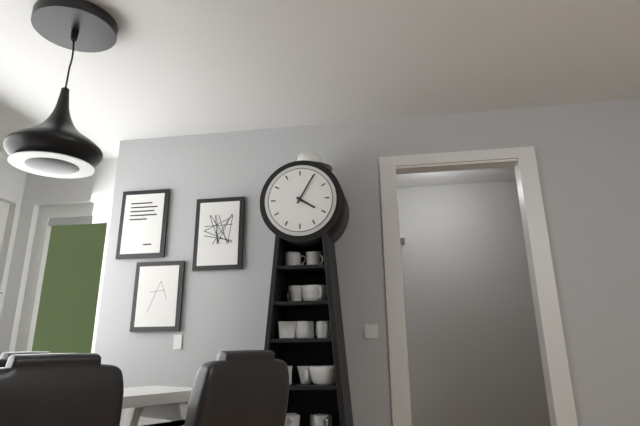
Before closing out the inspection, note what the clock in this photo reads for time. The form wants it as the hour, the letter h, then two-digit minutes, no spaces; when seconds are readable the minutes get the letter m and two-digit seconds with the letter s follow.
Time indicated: 4h05
